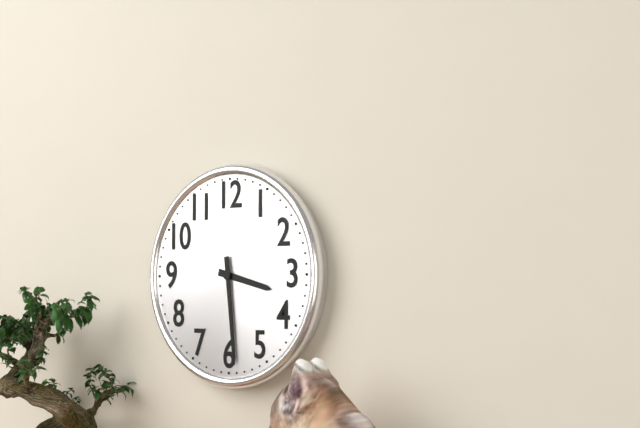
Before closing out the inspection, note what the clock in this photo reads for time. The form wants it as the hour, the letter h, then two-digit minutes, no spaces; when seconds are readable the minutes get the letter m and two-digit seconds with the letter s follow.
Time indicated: 3h29
